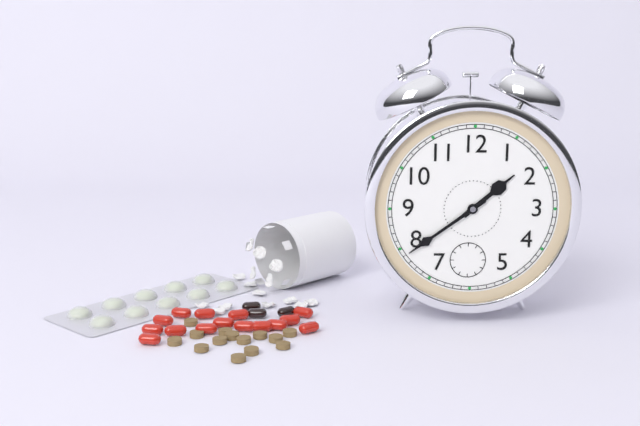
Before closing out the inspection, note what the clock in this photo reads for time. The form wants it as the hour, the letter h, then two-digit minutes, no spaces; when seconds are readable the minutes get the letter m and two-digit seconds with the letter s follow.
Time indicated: 1h39
